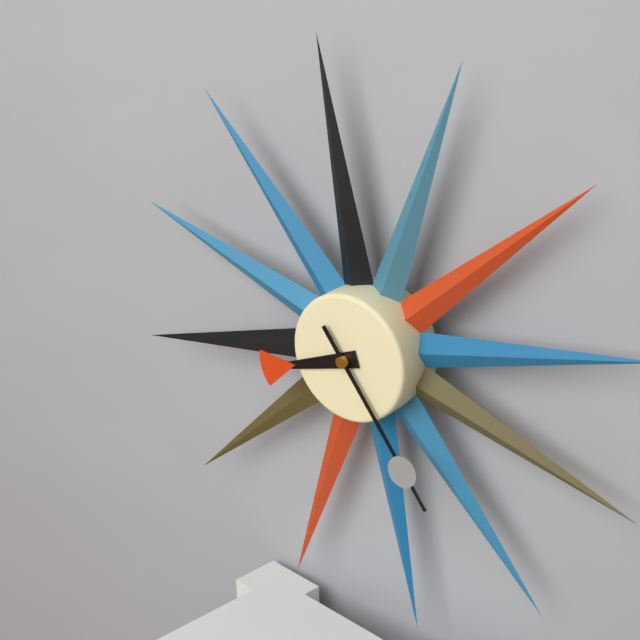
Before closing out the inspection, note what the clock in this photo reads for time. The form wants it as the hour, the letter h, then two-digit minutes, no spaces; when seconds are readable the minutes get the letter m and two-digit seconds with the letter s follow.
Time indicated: 8h24
